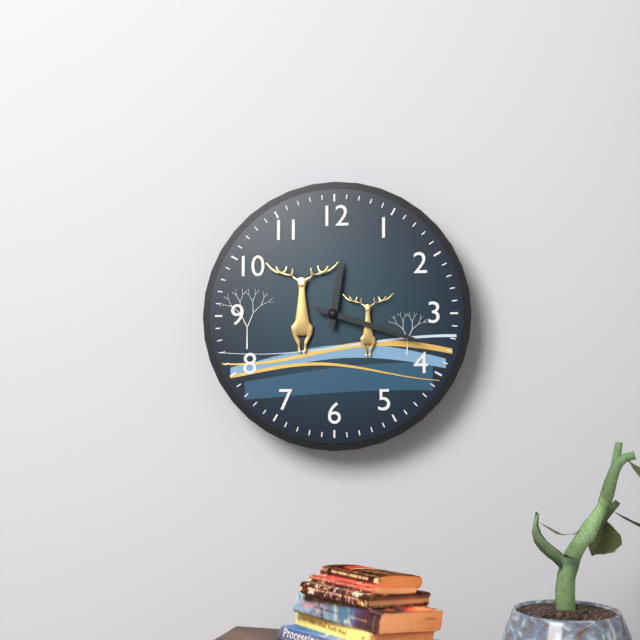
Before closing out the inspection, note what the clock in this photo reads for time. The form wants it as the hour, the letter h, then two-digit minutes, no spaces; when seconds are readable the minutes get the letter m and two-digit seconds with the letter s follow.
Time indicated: 12h18
